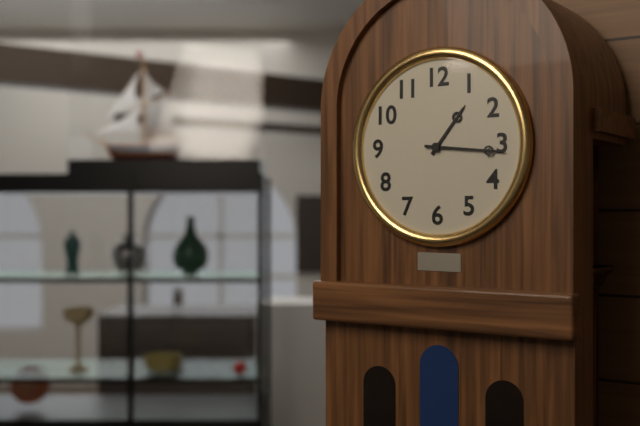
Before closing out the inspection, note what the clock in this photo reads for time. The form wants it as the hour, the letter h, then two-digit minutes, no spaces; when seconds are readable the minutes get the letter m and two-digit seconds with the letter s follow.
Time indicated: 1h16
